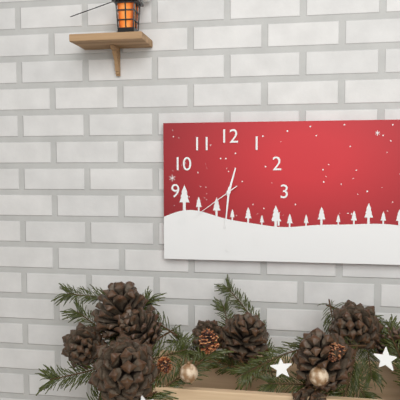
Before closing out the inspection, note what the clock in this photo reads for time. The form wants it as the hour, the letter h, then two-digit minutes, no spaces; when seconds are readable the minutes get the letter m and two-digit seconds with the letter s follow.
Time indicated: 12h31m39s
